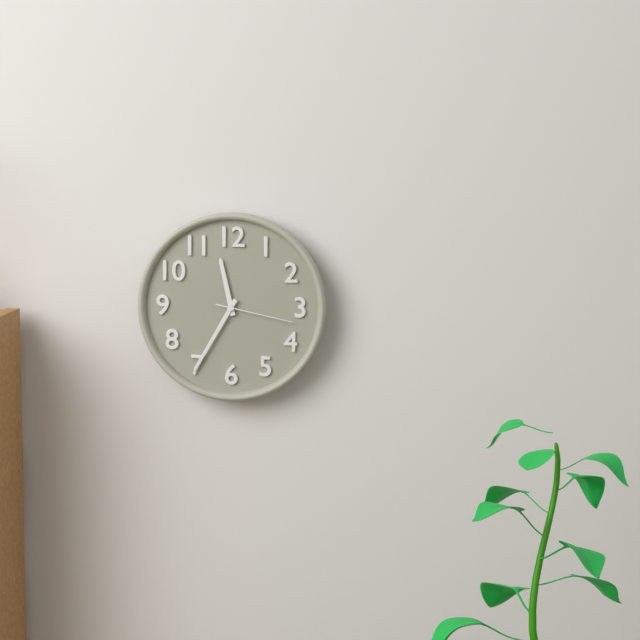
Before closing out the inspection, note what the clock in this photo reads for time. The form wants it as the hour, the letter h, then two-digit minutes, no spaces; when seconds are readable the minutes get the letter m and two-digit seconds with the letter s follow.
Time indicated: 11h35m17s
